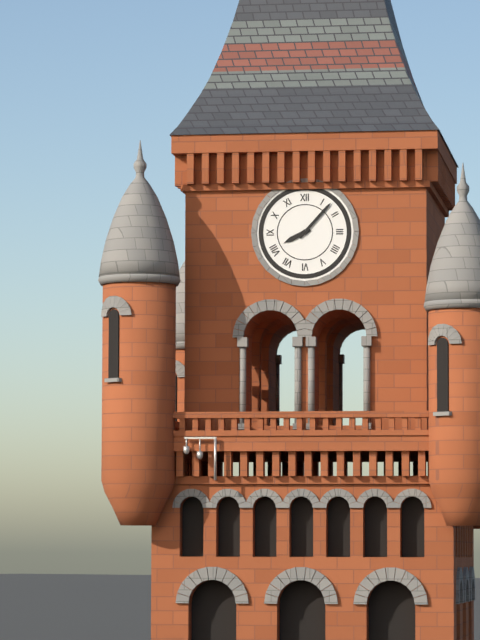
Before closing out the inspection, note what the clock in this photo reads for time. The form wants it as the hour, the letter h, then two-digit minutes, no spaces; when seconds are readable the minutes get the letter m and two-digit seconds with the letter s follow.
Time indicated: 8h07
